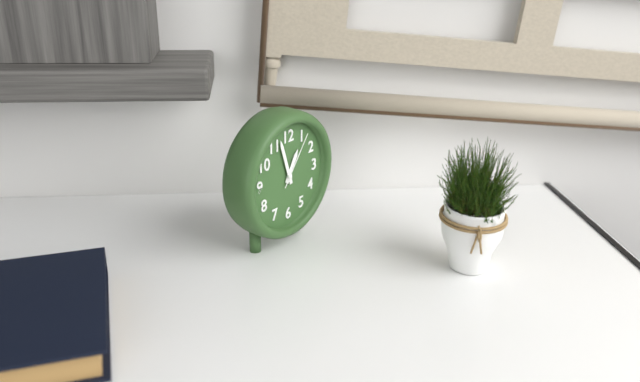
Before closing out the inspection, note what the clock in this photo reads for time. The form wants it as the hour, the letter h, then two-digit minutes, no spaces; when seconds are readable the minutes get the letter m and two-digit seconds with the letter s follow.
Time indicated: 12h57m06s
